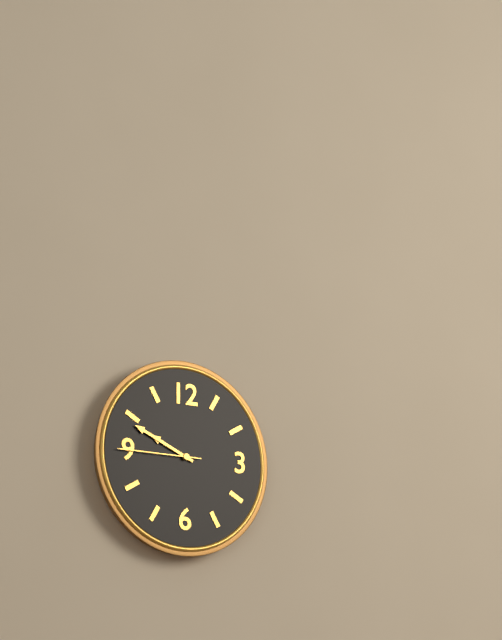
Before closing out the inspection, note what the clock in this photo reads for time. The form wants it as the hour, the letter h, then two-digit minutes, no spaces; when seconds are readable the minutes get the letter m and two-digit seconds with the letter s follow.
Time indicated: 9h49m45s
